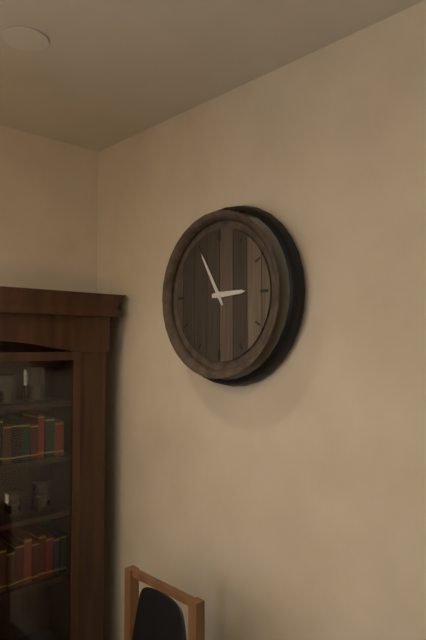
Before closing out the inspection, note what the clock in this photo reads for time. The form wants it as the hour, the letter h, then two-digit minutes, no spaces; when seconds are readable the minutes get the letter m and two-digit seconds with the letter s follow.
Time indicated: 2h55
